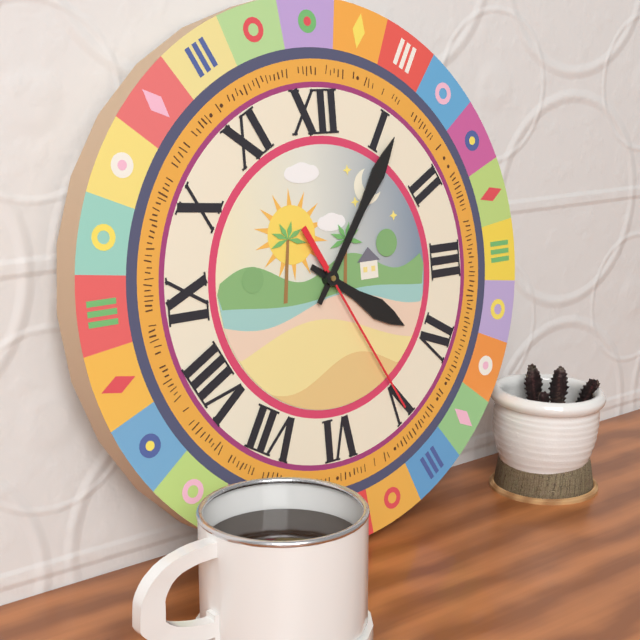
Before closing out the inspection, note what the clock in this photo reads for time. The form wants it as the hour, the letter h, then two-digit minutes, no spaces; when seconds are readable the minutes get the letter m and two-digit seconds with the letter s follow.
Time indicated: 4h06m25s
